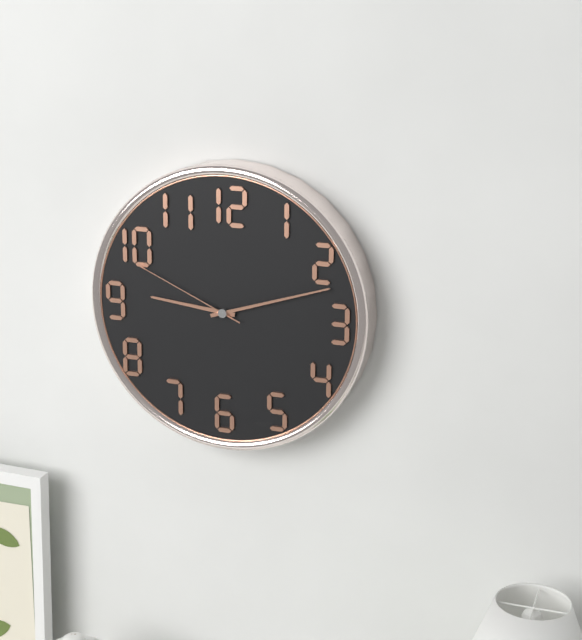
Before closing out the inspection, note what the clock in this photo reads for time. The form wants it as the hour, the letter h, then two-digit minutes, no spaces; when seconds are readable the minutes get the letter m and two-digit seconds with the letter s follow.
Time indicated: 9h12m49s
